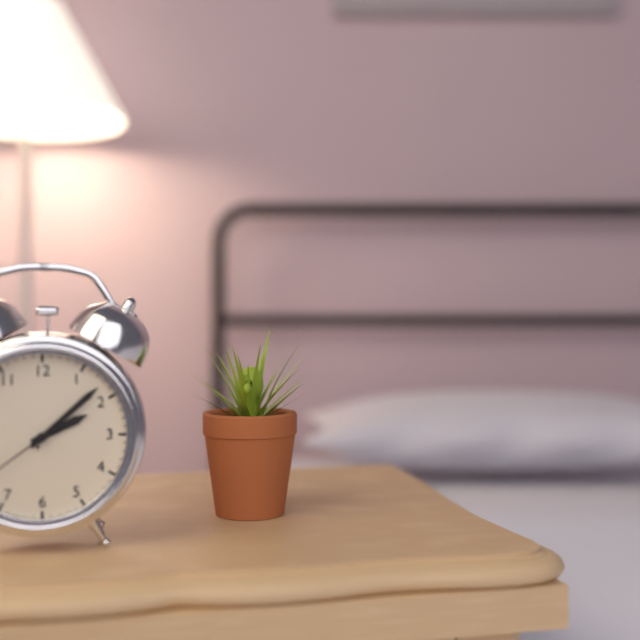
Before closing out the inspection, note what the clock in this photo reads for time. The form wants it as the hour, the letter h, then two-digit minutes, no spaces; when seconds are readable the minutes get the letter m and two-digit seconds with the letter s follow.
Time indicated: 2h08
